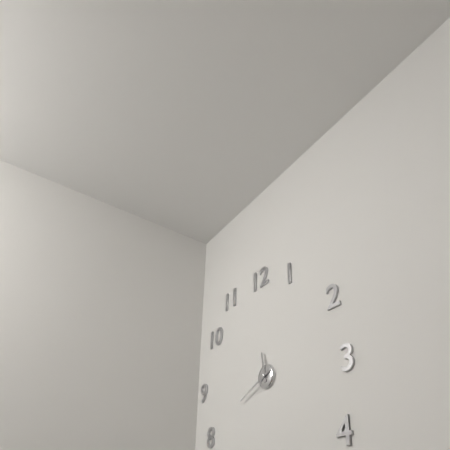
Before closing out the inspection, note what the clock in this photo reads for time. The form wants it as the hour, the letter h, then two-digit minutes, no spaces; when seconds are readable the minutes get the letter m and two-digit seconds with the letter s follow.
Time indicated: 11h41
